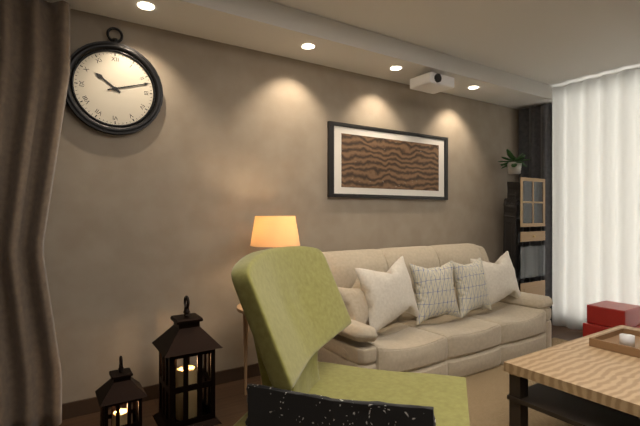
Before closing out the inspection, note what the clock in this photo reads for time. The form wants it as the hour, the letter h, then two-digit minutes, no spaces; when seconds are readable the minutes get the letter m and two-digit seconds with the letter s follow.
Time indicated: 10h12
